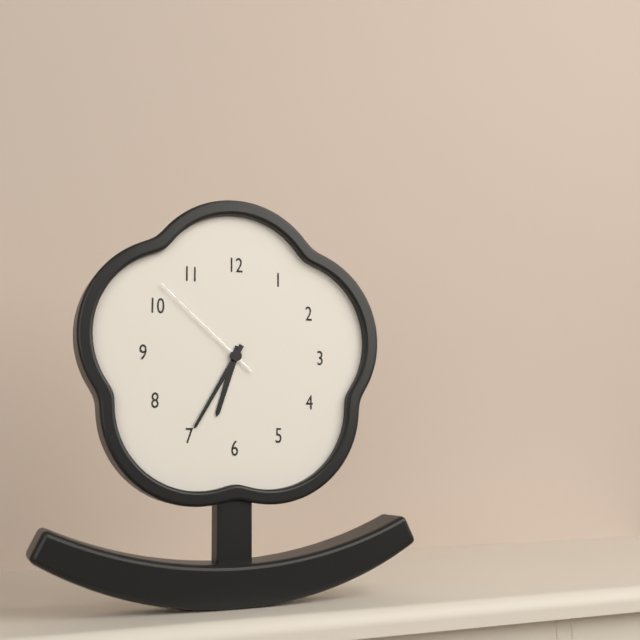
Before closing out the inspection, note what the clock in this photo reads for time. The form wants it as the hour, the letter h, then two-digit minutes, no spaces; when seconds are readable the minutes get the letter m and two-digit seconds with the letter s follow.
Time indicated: 6h35m52s
